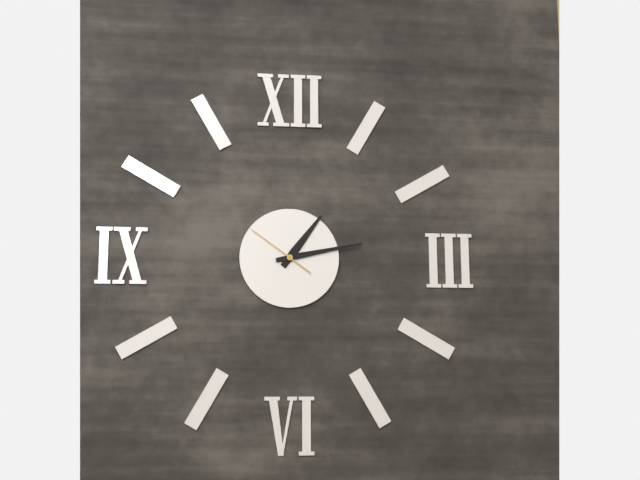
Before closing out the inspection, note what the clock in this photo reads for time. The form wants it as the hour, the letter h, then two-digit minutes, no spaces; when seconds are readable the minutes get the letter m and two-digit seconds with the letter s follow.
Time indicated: 1h13m51s
